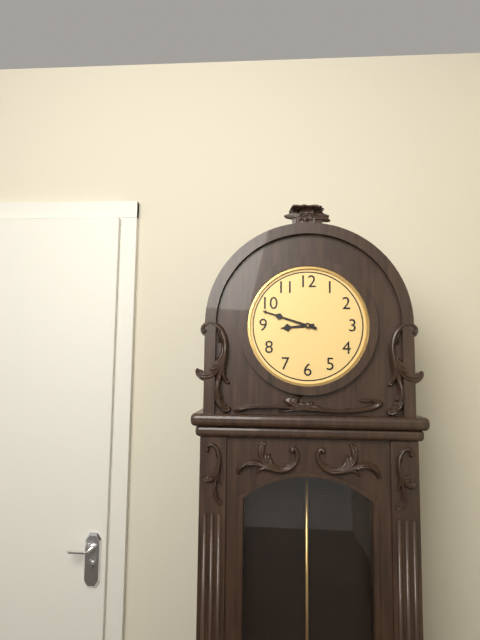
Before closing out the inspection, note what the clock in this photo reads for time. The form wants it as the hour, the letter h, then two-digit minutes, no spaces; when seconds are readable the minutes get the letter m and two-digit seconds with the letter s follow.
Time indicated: 8h48
